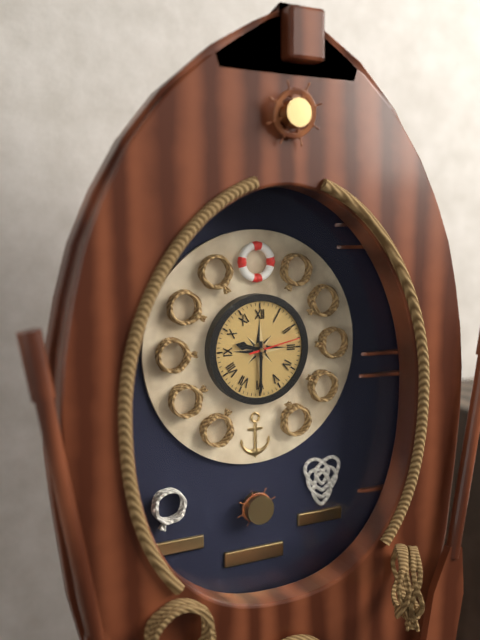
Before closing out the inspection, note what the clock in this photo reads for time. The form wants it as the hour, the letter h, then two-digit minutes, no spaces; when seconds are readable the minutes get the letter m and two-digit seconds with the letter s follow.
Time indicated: 9h30m13s
